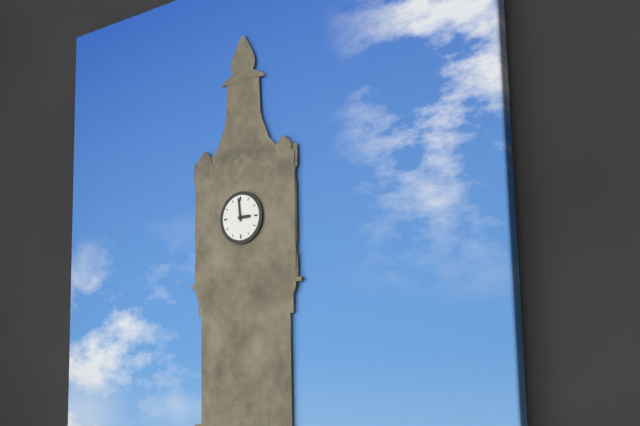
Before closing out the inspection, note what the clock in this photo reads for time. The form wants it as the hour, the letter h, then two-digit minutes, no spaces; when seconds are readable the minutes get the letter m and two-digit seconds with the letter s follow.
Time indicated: 2h59
